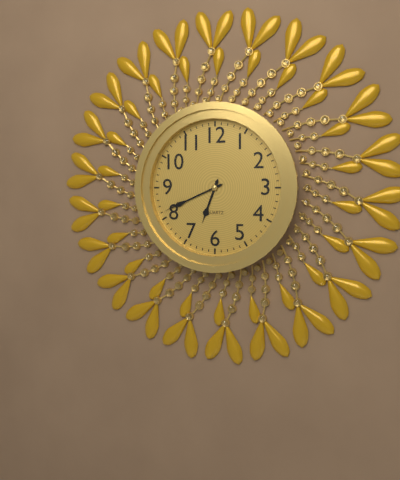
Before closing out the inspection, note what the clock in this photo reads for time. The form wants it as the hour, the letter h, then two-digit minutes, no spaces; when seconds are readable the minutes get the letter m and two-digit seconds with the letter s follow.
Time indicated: 6h41
